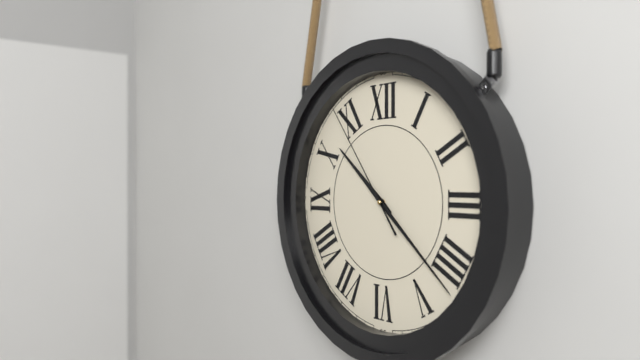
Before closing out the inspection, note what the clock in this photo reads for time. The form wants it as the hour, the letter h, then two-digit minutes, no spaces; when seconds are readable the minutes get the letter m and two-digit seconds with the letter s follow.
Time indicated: 10h22m54s
